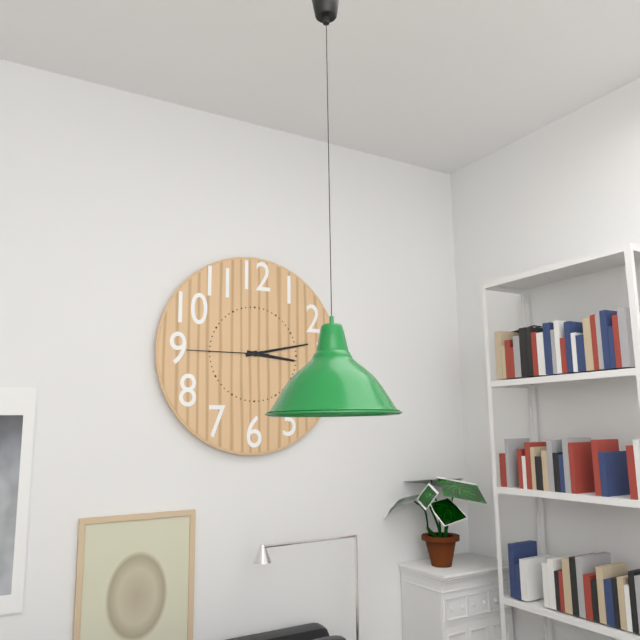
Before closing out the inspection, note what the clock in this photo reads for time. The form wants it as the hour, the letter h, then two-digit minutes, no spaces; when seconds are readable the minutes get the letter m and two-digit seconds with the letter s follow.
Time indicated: 3h13m45s
